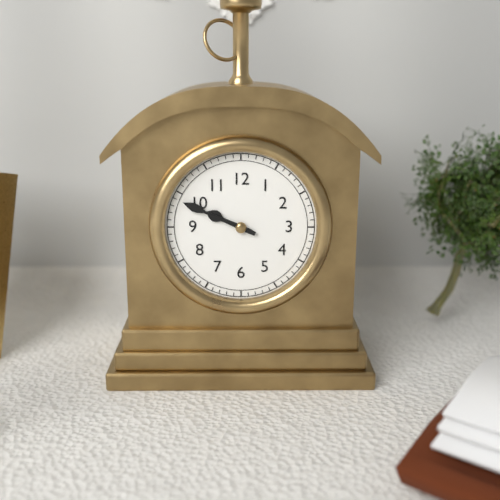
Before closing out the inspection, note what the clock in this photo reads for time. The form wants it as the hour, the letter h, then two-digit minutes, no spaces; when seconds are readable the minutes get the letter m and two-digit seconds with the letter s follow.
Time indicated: 9h49
